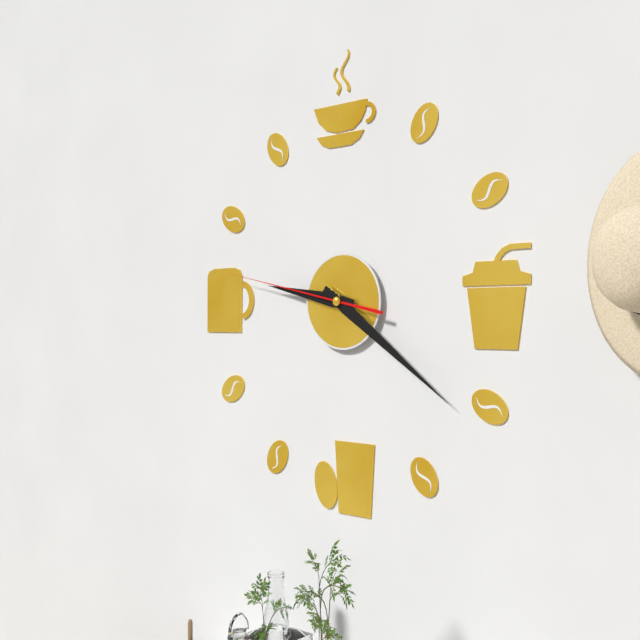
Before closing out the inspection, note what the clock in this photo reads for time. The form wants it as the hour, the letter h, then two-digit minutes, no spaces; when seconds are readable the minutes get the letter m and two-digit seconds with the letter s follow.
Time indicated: 9h21m47s
